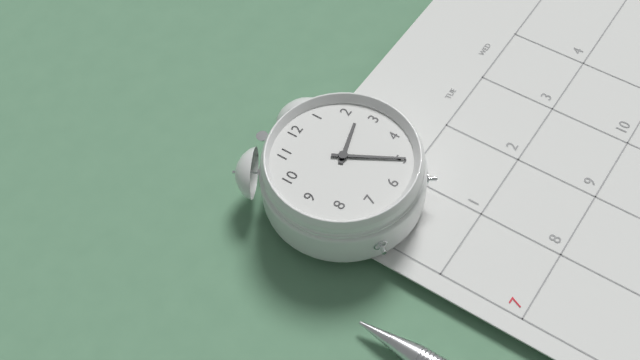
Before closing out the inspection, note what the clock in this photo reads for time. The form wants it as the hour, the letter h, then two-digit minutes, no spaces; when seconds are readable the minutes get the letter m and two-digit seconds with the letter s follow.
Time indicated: 2h25
